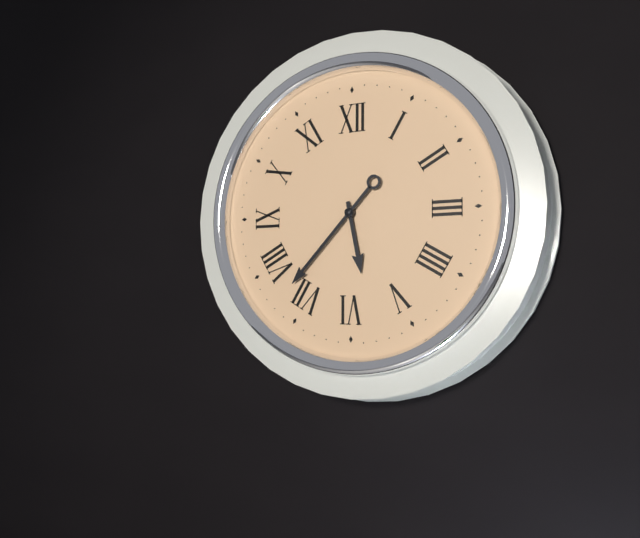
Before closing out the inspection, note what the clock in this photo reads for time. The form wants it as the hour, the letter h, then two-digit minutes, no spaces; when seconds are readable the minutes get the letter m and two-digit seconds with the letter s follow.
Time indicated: 5h37
